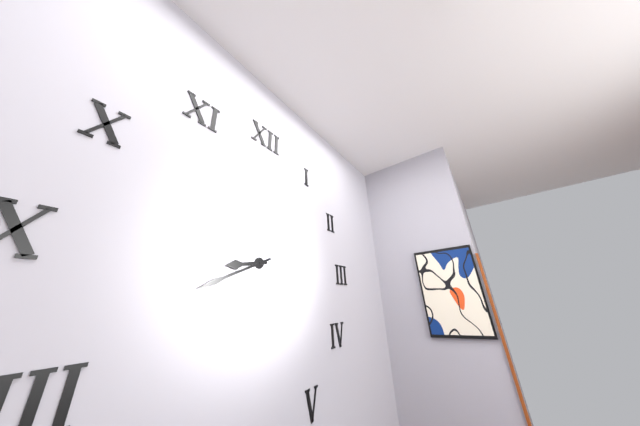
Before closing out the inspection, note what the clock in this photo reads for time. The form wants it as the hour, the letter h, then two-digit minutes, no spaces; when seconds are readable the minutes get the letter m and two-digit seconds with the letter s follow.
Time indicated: 8h41
